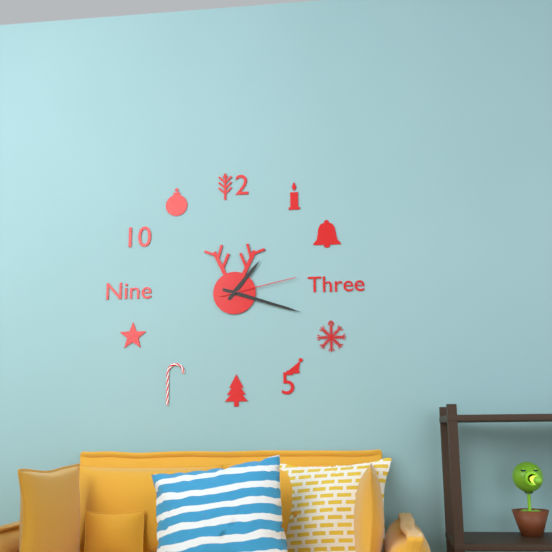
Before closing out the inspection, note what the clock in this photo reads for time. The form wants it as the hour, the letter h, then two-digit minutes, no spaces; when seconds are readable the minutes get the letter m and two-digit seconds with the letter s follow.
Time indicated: 1h18m13s
